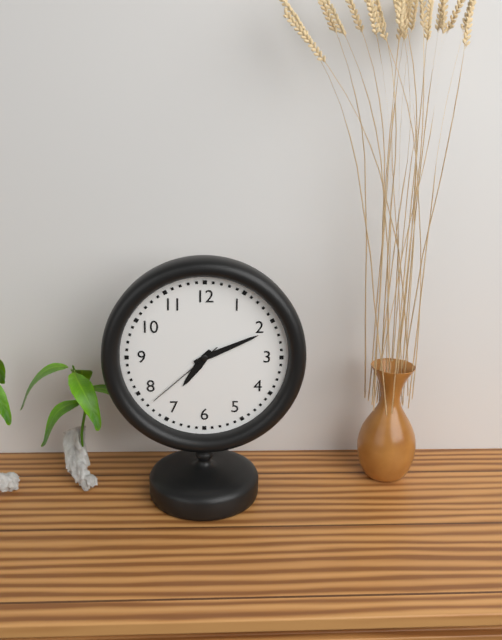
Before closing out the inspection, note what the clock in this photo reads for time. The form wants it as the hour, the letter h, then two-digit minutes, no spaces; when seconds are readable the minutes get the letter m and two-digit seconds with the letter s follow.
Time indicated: 7h11m38s
